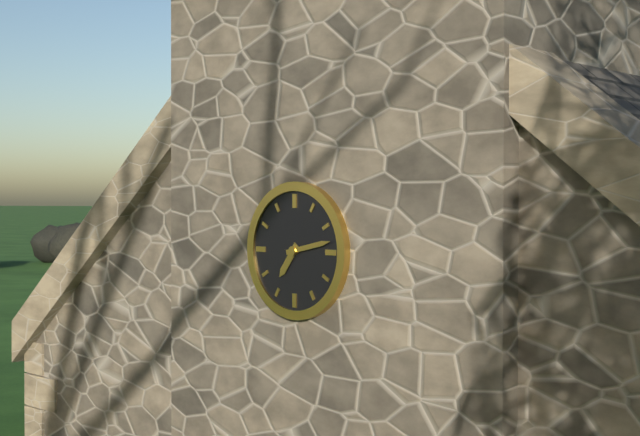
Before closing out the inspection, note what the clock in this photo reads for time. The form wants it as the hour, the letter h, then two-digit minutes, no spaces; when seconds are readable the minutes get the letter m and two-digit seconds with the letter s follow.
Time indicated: 7h13
